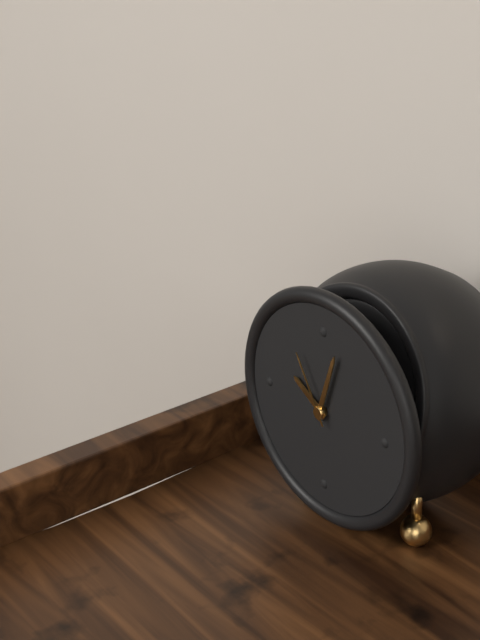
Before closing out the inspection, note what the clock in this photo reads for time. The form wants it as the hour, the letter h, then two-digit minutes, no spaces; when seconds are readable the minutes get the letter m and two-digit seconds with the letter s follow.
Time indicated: 10h03m55s
